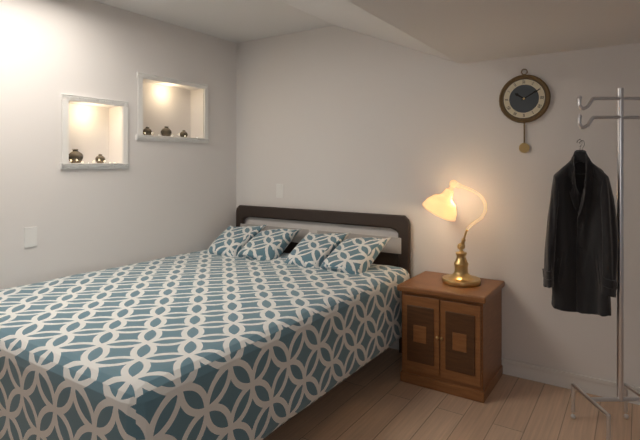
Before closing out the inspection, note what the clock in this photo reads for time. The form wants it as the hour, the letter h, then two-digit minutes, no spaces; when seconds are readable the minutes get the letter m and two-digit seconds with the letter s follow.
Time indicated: 10h10
